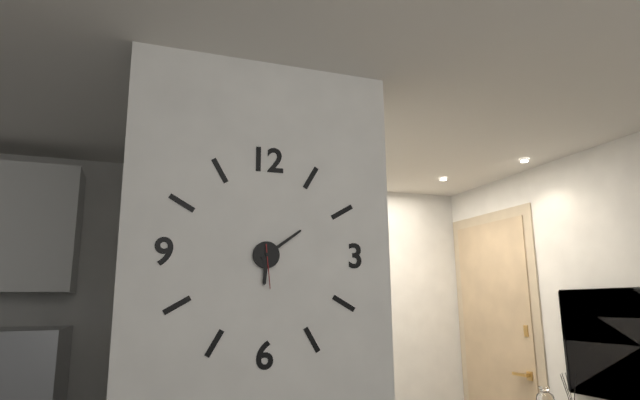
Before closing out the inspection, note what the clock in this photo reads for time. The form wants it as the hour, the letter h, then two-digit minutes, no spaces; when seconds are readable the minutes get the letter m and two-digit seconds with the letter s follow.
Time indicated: 6h09
